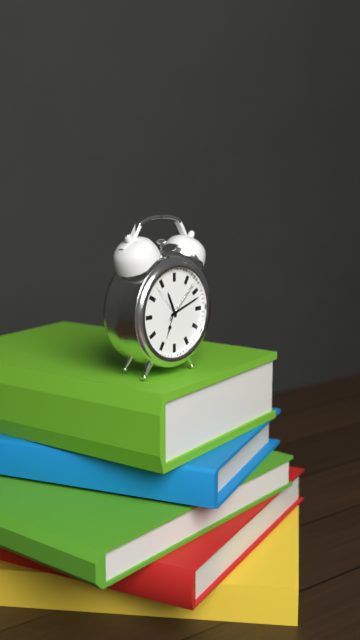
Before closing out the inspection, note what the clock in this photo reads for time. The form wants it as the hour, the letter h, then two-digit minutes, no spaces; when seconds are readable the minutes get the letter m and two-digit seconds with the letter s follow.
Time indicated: 11h12
